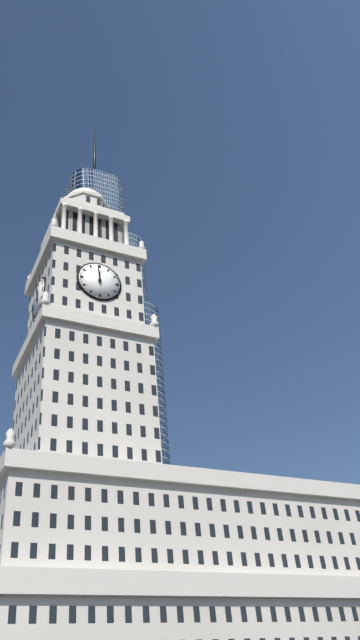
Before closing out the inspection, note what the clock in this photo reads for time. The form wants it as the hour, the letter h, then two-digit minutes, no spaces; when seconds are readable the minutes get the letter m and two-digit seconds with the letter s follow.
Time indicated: 11h59
